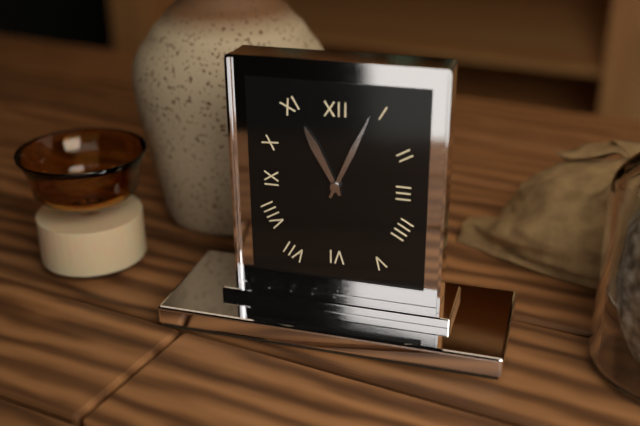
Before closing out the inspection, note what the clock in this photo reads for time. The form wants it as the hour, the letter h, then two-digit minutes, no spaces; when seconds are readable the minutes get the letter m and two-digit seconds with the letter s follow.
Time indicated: 11h04
